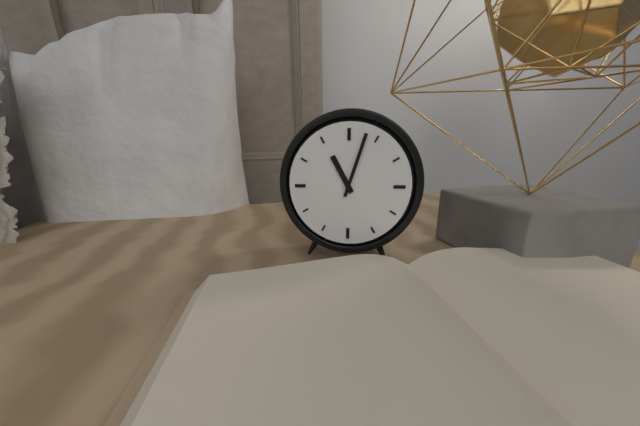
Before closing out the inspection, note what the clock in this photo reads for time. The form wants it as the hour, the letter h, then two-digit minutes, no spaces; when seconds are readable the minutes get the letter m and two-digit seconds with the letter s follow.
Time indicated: 11h03
